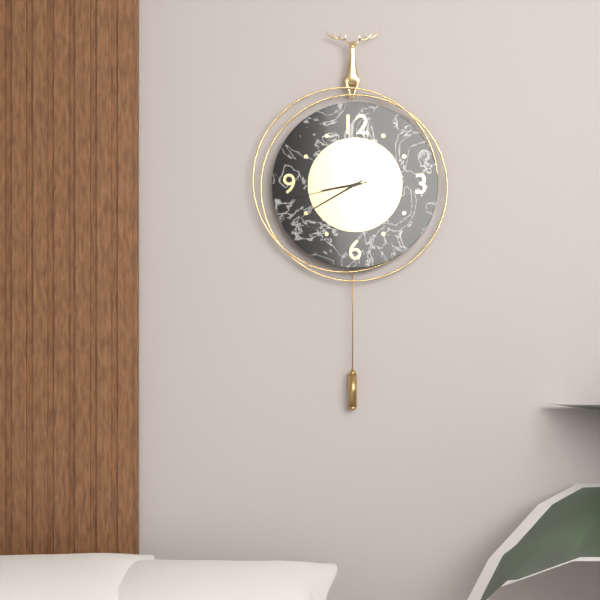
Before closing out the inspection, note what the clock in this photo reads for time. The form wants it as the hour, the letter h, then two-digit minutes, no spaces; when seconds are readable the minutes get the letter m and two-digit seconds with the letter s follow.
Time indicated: 8h40m43s
